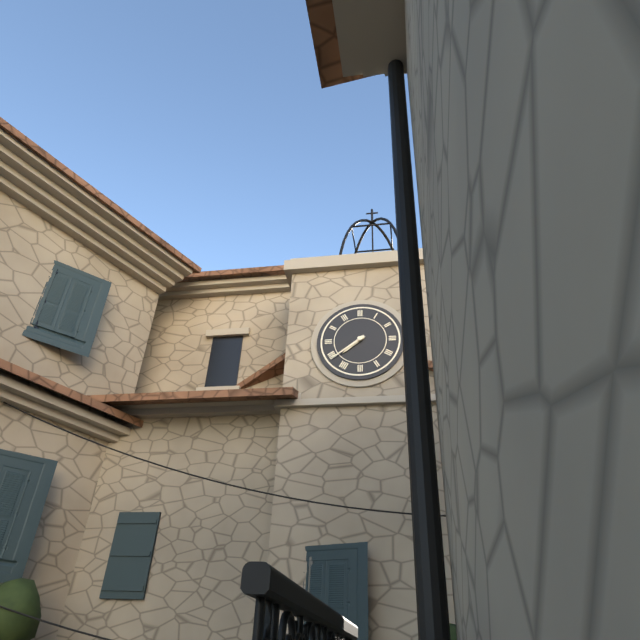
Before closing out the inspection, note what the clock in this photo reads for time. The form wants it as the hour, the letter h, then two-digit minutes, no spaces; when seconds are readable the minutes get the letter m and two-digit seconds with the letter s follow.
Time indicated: 7h39
